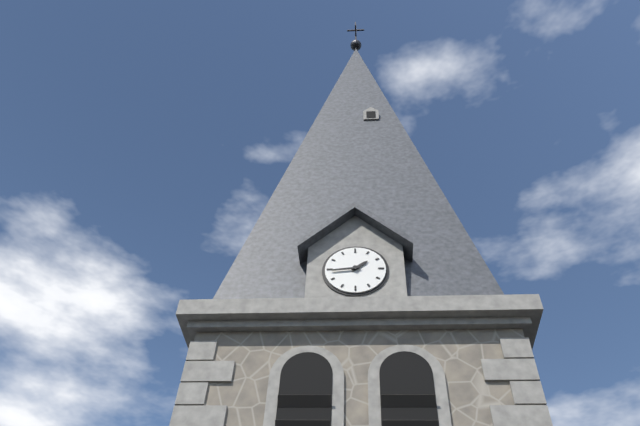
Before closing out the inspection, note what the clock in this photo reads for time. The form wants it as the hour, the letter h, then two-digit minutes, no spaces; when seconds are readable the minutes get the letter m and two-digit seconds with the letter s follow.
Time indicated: 1h44
